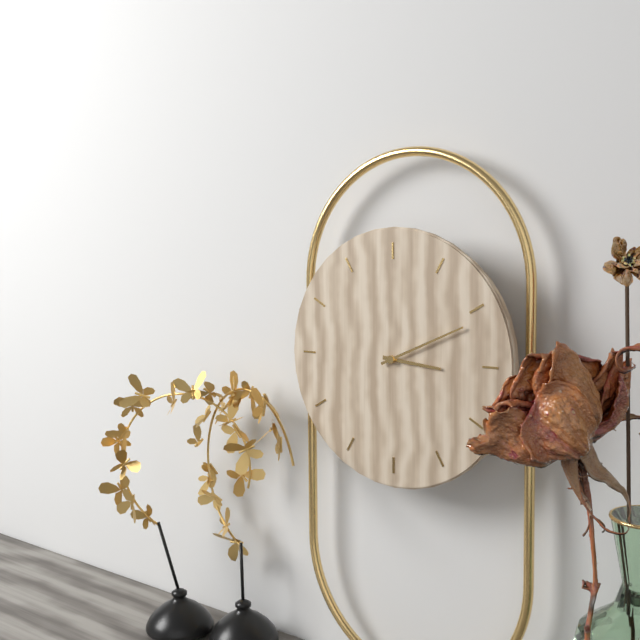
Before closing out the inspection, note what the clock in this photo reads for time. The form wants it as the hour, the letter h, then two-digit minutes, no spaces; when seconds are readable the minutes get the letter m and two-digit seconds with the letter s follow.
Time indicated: 3h11
